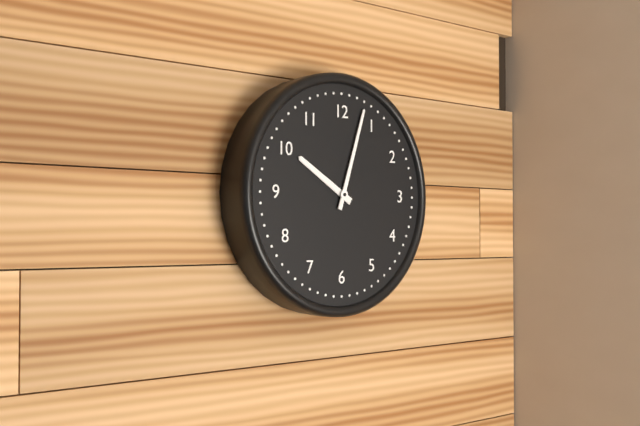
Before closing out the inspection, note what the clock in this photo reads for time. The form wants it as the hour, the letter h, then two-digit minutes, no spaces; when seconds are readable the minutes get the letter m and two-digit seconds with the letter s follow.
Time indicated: 10h03
